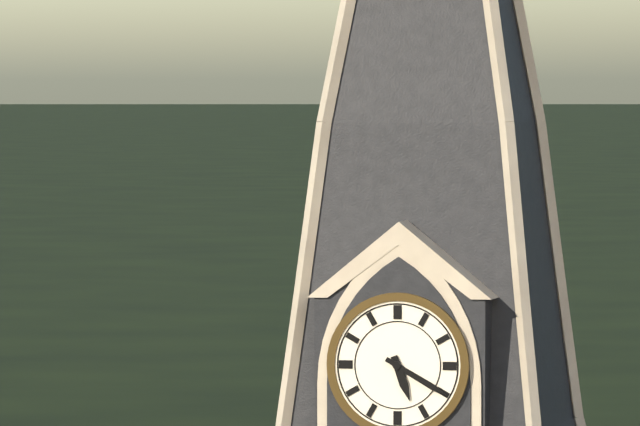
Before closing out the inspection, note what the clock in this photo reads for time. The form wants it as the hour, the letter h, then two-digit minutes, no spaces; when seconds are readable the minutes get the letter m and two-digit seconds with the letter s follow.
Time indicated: 5h20
